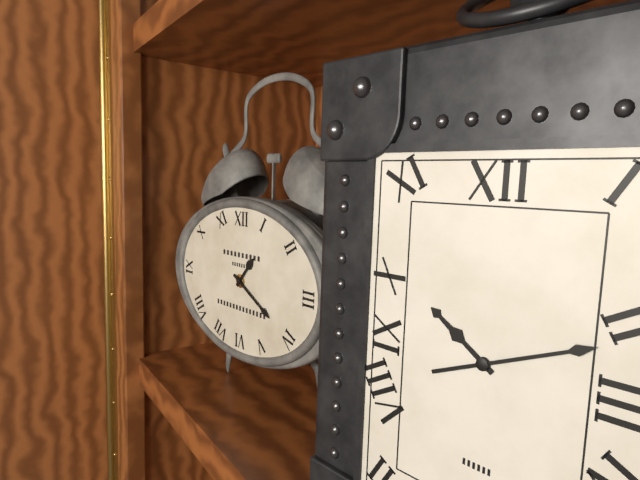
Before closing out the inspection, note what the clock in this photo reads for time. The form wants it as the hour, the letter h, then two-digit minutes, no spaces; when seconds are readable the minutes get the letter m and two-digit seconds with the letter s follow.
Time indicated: 1h20
